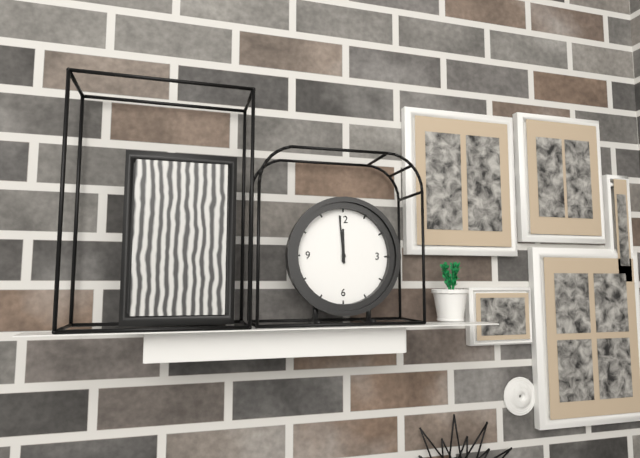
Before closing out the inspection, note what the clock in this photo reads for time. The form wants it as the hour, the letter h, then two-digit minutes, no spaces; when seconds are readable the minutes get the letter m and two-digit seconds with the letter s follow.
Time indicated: 11h59
